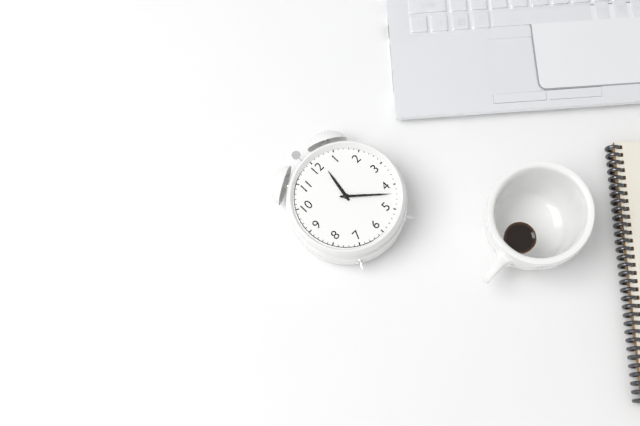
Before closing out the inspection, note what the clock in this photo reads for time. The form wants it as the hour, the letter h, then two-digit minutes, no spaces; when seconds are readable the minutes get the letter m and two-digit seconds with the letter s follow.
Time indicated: 12h22
